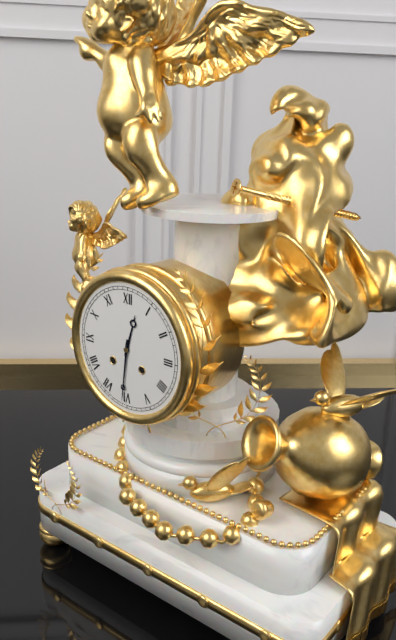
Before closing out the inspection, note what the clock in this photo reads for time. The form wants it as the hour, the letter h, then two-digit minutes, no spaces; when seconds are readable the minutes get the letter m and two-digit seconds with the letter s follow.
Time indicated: 12h31
